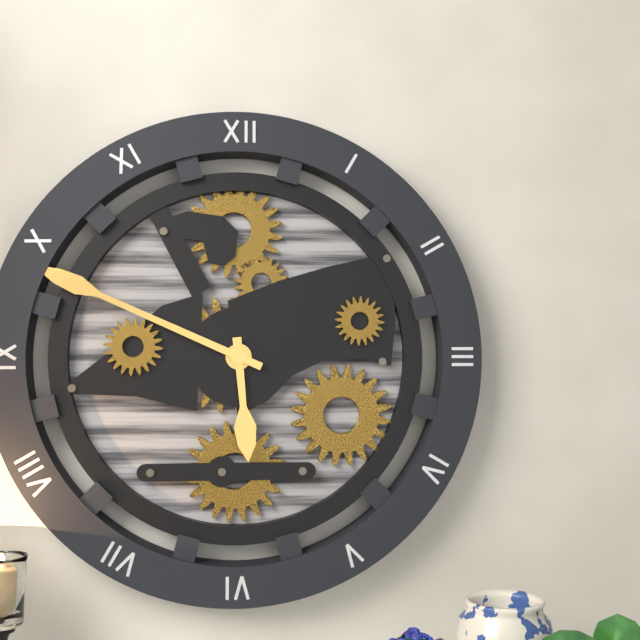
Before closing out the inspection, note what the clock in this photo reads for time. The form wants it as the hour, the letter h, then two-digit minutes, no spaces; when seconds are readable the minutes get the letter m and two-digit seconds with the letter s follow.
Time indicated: 5h49
